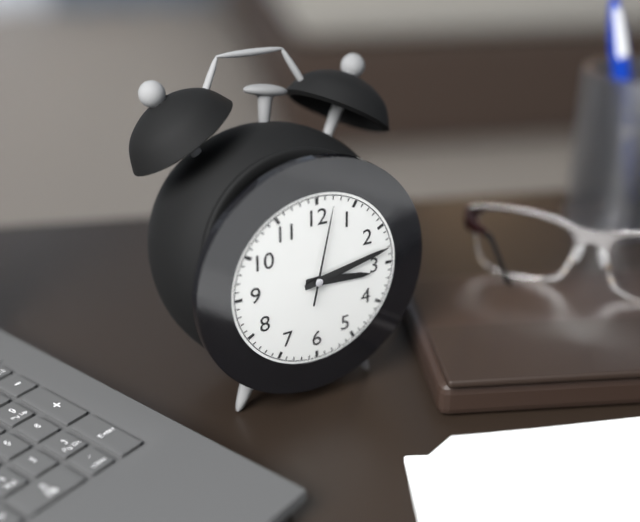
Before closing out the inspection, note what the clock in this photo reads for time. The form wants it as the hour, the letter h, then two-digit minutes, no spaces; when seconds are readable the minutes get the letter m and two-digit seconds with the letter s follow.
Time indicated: 3h13m02s
